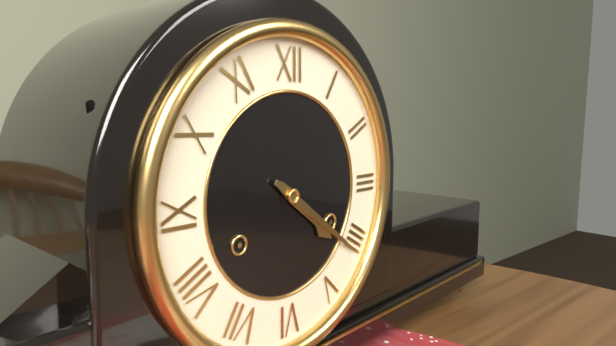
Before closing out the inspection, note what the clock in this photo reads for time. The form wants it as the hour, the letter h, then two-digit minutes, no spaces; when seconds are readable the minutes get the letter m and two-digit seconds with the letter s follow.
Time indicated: 4h21
